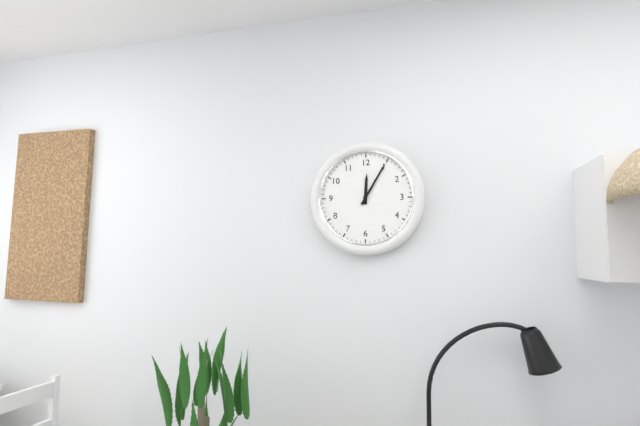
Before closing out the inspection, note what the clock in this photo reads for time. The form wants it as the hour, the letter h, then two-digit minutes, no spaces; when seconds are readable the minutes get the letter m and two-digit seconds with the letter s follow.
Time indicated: 12h05
